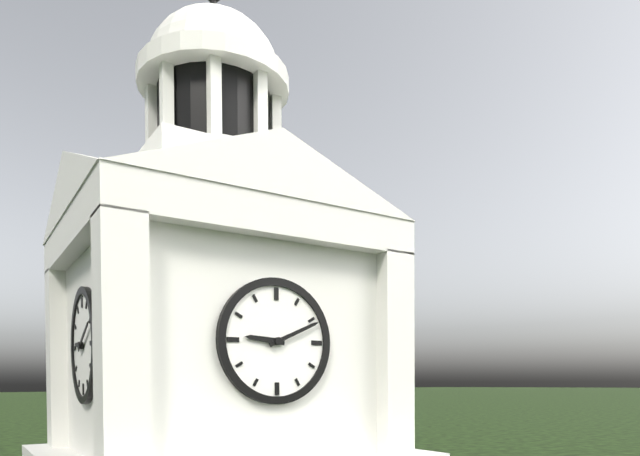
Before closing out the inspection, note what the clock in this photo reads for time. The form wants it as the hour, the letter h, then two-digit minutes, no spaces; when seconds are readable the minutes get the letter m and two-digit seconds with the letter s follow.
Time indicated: 9h11
